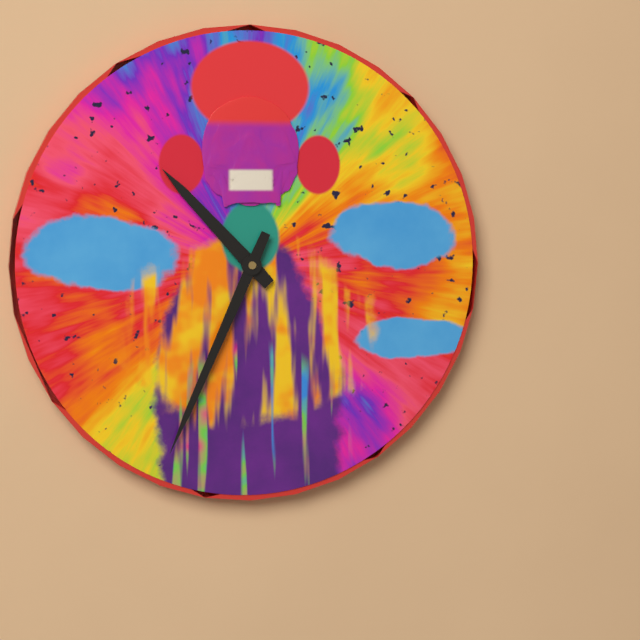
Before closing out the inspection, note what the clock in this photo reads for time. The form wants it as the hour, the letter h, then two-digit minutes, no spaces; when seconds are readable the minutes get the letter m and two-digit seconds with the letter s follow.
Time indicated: 10h34
